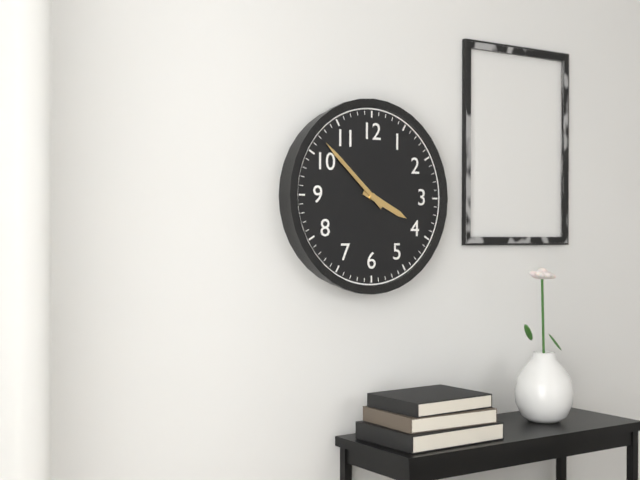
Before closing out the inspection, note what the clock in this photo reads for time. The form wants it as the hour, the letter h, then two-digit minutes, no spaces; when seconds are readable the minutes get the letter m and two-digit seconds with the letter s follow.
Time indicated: 3h52
